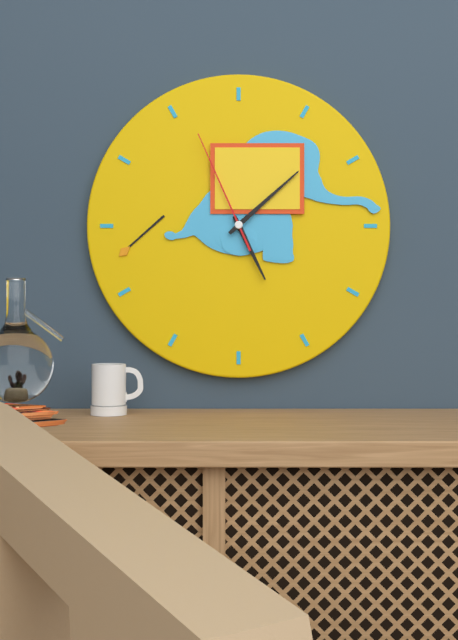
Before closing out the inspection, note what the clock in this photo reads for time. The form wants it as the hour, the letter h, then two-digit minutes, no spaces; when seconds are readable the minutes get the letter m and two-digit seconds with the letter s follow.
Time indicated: 5h08m56s
